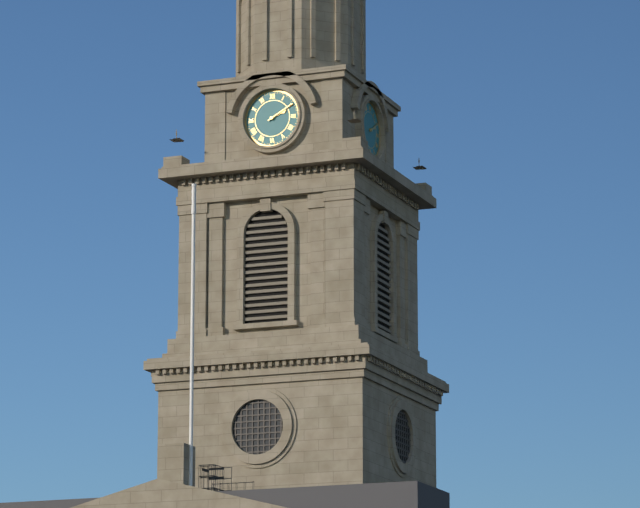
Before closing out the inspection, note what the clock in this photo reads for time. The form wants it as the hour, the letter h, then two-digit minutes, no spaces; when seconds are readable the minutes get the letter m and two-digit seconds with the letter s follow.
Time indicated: 2h10
